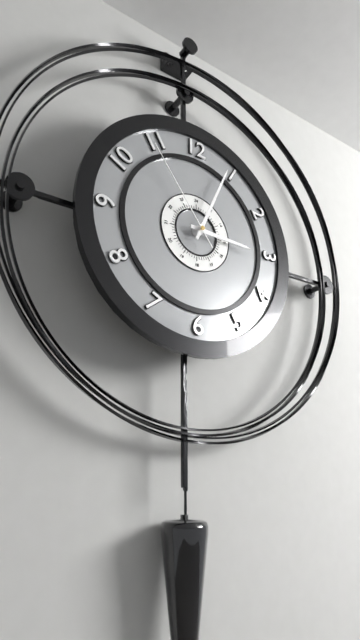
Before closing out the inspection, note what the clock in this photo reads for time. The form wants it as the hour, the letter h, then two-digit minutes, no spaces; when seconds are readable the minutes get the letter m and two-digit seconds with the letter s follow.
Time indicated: 3h04m54s
